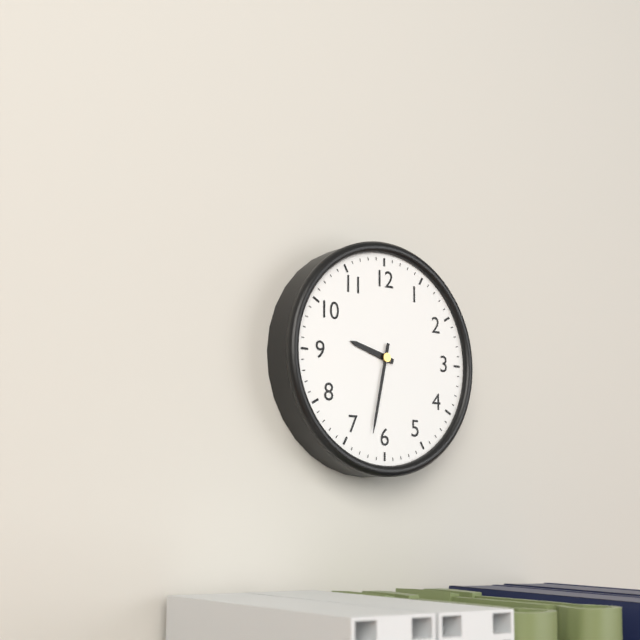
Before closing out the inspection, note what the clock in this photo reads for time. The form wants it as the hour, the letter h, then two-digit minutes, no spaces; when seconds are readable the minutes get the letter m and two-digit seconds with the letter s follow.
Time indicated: 9h32
